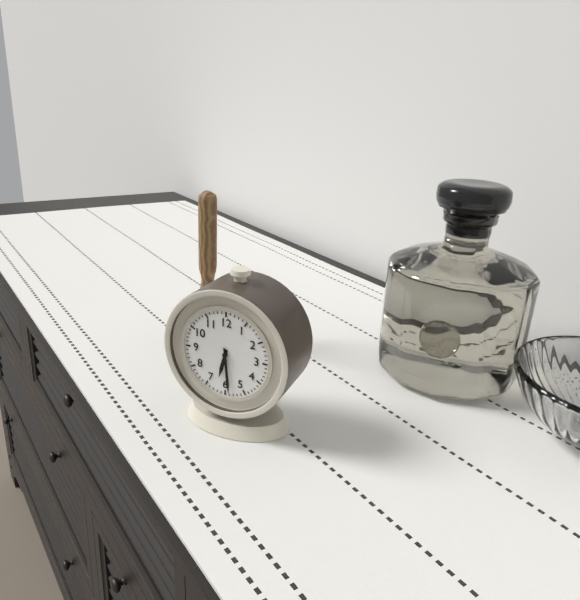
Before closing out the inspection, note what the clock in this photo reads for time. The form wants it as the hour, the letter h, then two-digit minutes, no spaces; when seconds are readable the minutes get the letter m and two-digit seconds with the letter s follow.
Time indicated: 6h29
